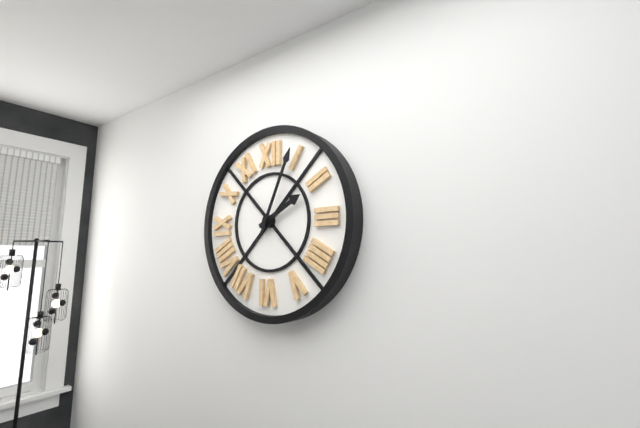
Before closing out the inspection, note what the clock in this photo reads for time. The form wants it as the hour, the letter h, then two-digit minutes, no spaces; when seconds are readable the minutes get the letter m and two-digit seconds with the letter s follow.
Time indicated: 2h04
